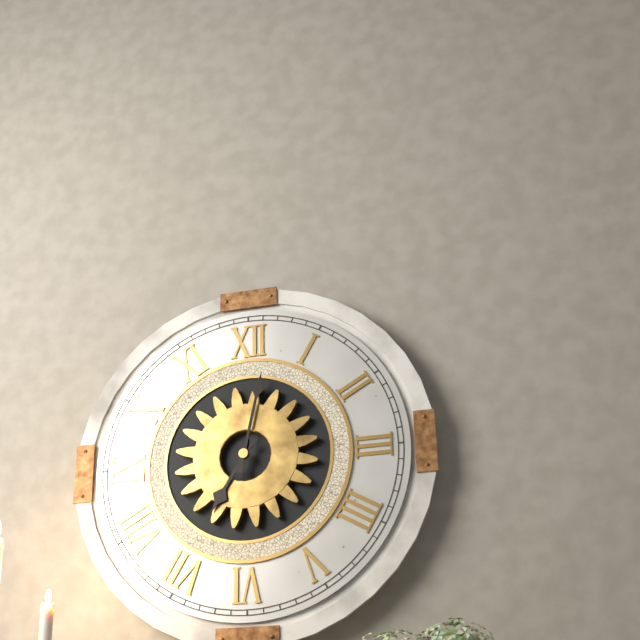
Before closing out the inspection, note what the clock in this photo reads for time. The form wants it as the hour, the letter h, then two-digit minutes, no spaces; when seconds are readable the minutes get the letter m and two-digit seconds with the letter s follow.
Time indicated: 7h02
